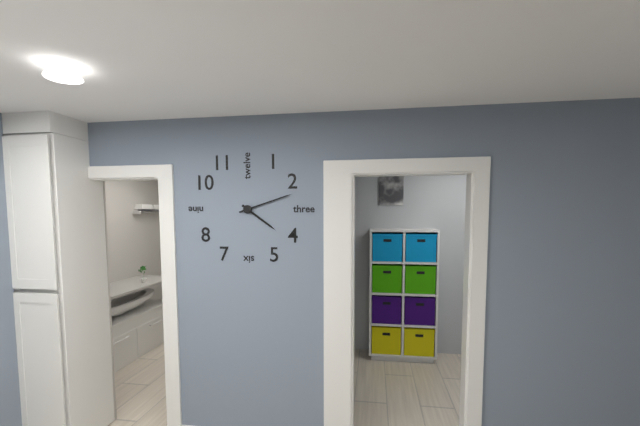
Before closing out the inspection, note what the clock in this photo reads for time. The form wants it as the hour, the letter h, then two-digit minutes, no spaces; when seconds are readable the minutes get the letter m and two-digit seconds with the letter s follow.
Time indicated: 4h12
